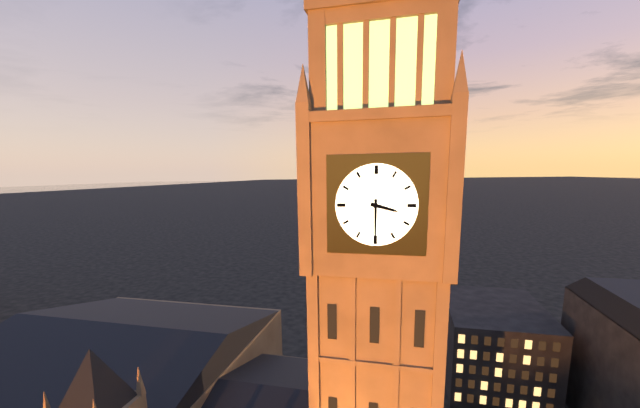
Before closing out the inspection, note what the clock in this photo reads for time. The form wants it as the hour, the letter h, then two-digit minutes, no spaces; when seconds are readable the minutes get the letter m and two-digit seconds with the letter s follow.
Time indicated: 3h30
